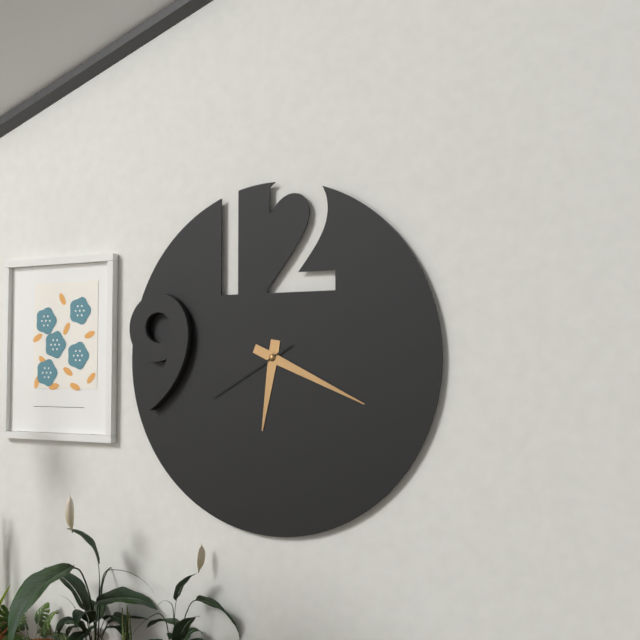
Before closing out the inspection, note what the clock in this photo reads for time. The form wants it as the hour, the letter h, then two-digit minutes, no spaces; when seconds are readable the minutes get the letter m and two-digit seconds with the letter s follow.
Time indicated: 6h19m40s
